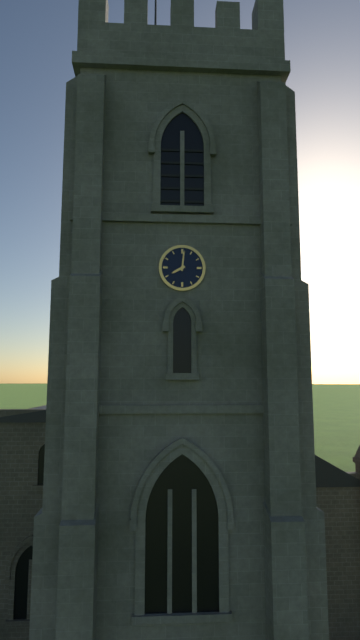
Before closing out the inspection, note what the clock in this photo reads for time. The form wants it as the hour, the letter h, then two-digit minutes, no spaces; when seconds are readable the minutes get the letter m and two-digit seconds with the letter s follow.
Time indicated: 8h01
